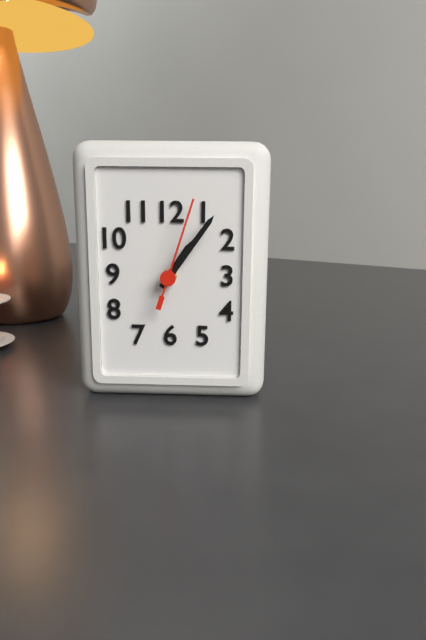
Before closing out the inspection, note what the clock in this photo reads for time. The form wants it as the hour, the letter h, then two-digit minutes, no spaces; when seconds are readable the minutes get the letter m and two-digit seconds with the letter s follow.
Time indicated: 1h06m03s
